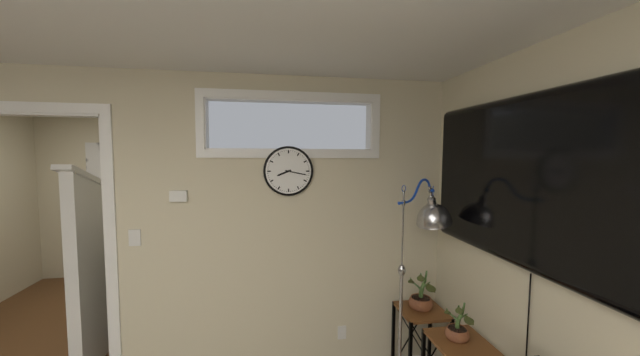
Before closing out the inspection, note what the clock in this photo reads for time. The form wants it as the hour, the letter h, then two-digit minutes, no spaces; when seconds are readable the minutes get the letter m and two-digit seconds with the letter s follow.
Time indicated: 8h17
